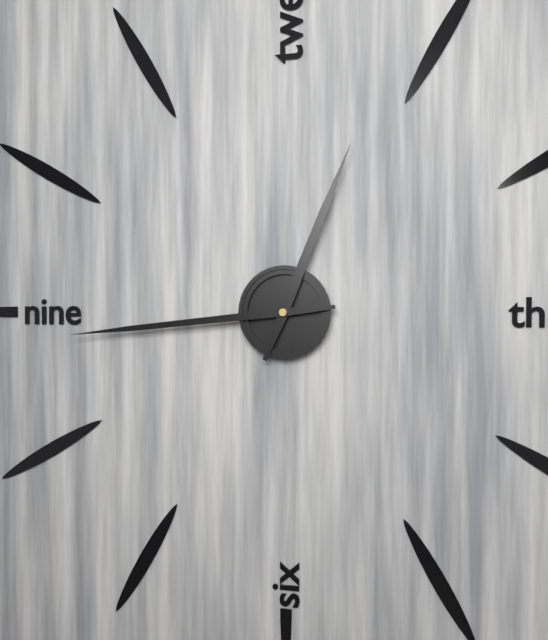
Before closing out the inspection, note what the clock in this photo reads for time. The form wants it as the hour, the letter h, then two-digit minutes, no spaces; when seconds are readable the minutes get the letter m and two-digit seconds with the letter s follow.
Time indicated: 12h44
